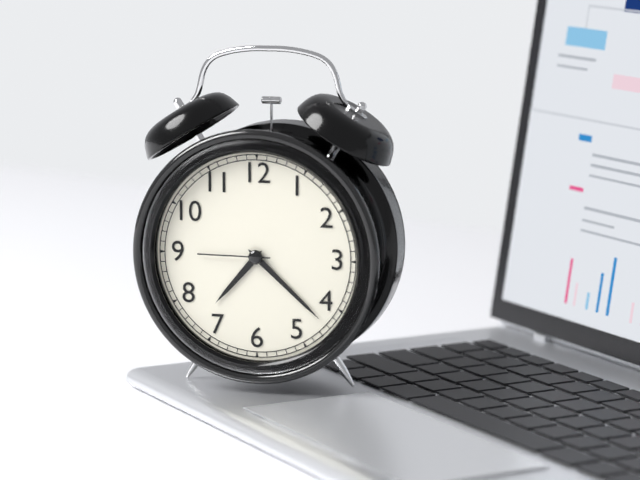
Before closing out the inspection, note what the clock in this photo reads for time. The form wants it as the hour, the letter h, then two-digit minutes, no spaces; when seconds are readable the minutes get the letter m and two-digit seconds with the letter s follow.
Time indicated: 7h22m45s
